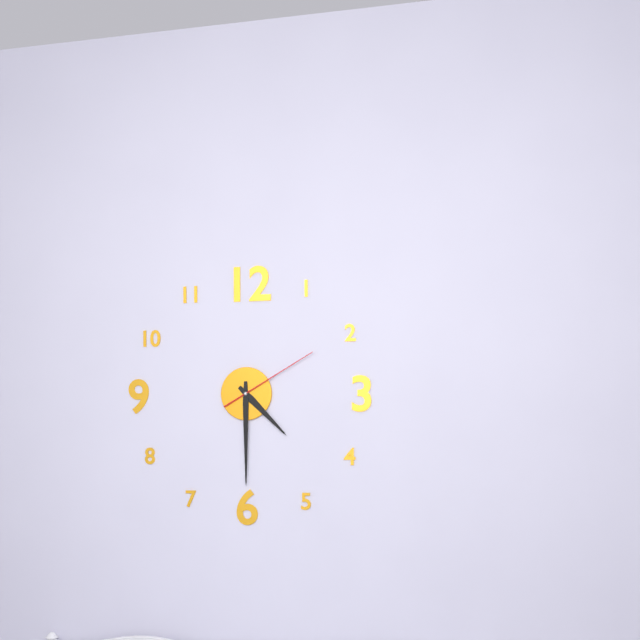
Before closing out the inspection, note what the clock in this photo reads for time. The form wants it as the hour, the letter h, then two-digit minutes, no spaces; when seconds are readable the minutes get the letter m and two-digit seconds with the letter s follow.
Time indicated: 4h30m10s
